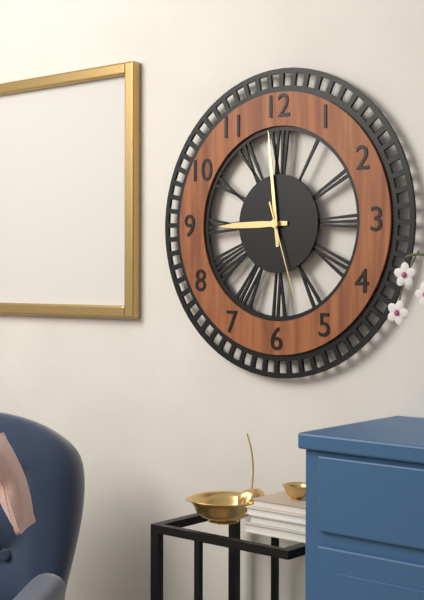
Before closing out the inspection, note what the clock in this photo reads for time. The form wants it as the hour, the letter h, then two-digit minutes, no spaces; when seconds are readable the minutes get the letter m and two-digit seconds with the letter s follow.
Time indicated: 8h59m27s
